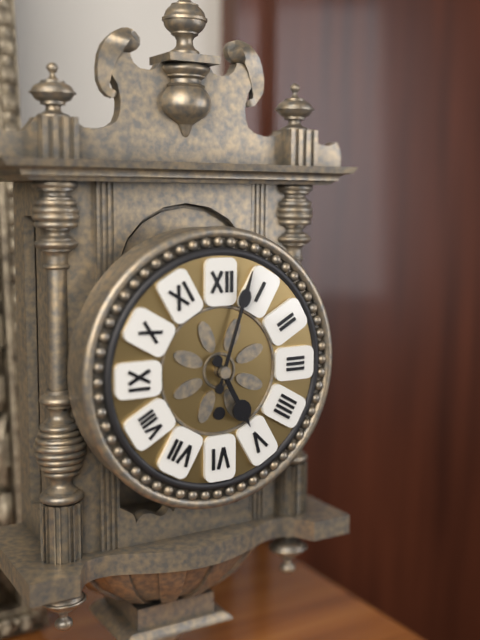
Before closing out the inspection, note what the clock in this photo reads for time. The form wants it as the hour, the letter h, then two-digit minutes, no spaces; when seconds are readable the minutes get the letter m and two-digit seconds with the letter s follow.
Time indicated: 5h03
